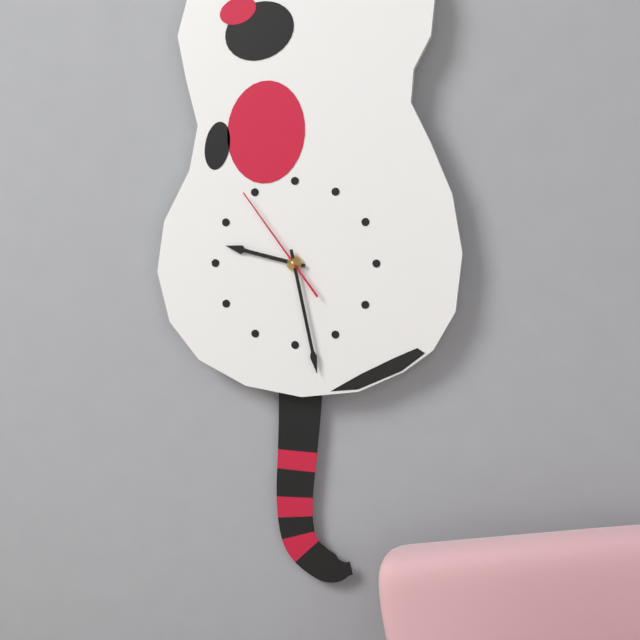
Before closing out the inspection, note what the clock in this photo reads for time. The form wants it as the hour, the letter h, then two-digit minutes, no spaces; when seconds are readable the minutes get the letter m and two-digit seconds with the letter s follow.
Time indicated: 9h28m54s
